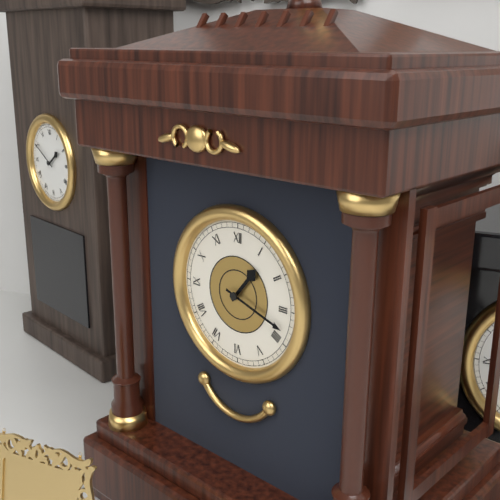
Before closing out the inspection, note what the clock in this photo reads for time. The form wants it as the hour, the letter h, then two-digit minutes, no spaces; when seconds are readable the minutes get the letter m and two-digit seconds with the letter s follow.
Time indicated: 1h18
